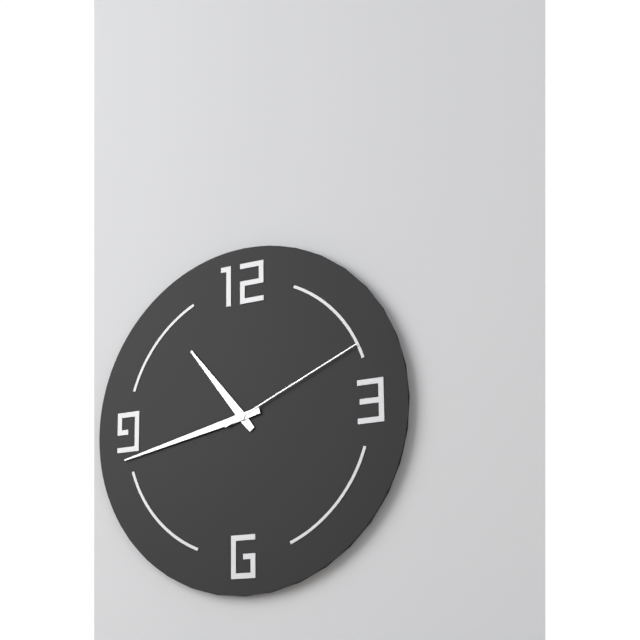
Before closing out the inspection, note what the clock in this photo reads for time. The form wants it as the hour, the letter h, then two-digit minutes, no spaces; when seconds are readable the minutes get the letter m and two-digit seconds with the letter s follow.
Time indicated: 10h43m11s
